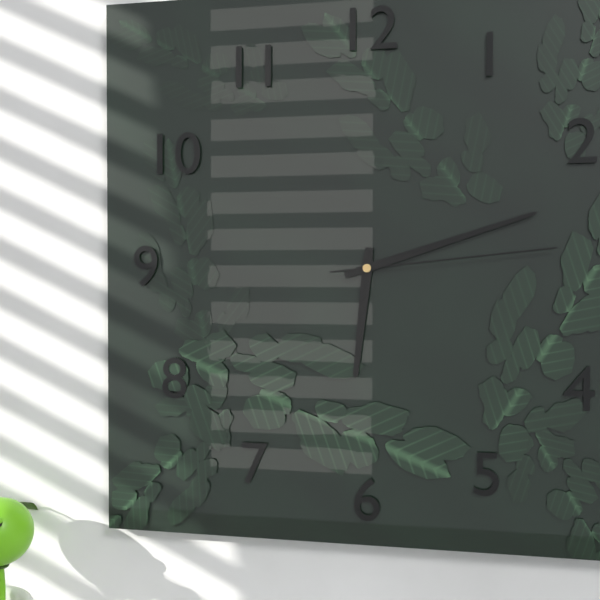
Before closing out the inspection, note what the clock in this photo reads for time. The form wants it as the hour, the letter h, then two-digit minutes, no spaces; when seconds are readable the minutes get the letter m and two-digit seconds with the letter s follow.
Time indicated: 6h12m14s
